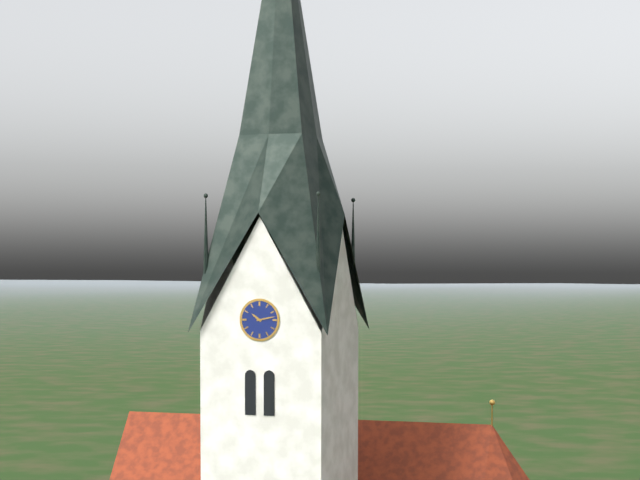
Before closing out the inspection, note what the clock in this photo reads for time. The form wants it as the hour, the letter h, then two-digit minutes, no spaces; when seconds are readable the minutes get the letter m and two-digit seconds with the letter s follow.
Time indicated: 10h13
